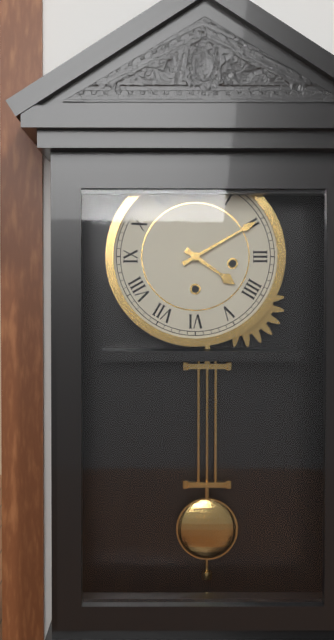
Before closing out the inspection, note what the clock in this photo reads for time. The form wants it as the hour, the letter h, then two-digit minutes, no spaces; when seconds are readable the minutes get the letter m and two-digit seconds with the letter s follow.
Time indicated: 4h10
